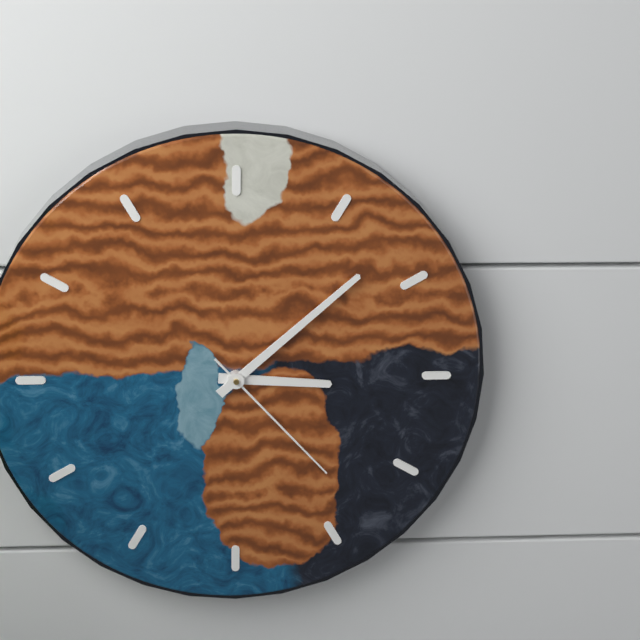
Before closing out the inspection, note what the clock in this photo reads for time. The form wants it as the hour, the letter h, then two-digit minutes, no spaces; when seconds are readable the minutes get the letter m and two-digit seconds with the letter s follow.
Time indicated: 3h08m23s
